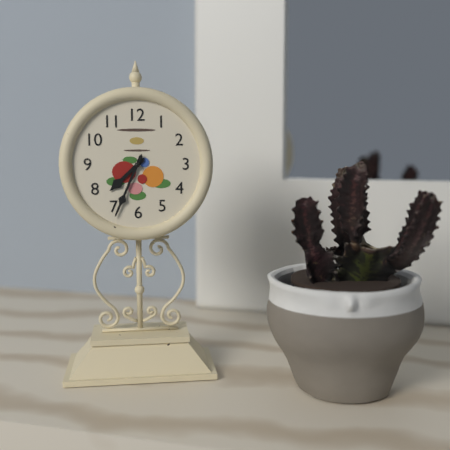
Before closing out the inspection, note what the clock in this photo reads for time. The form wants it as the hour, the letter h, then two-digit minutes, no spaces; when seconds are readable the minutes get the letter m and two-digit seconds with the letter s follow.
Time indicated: 7h34
